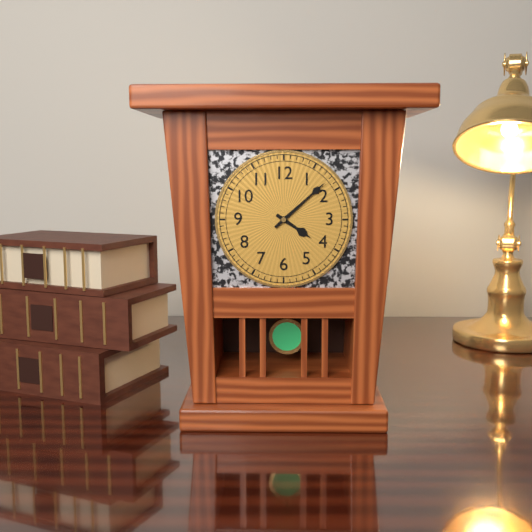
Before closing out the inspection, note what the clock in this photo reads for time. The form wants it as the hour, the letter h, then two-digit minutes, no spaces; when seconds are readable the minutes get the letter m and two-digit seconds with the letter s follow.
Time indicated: 4h08
